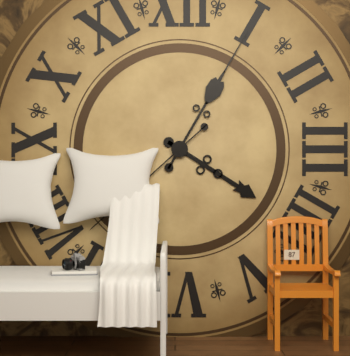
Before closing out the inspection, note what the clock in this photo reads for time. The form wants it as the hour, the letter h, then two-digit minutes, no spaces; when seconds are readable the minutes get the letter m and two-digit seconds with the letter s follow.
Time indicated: 4h05m38s
